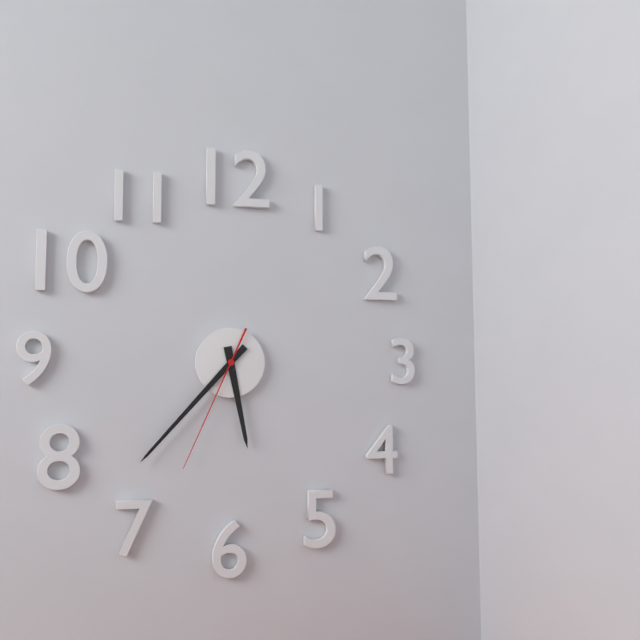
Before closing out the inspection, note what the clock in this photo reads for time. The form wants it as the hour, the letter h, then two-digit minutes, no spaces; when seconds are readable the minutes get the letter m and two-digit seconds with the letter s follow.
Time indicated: 5h37m34s
